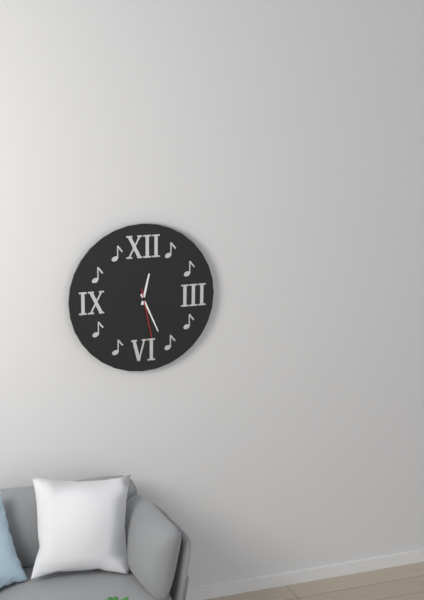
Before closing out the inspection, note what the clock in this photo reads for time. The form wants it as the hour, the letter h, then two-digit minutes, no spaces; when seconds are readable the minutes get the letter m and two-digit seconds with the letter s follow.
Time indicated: 12h26m28s
